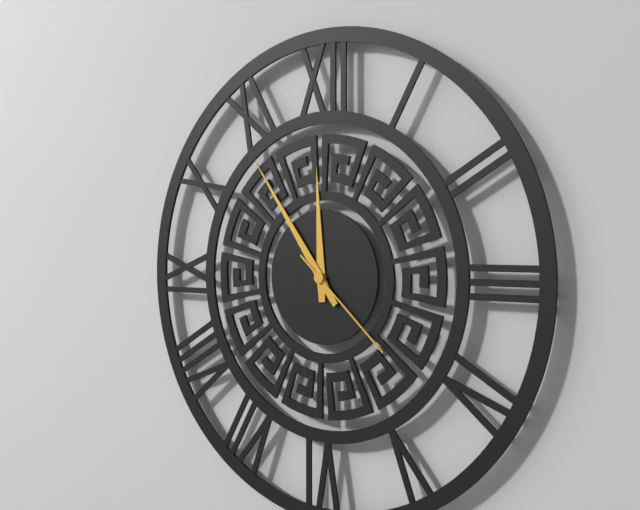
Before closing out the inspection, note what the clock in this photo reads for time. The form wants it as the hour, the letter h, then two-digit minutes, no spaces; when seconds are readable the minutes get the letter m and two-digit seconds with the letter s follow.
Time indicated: 11h54m22s
